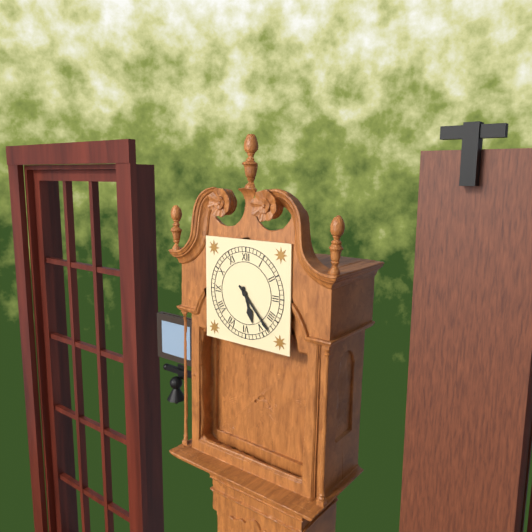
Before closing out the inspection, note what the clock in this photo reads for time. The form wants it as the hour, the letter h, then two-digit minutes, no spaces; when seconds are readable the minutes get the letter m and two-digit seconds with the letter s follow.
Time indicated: 5h23
